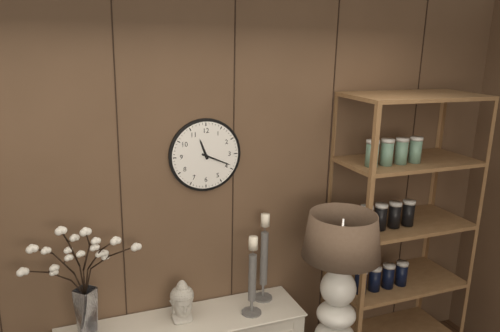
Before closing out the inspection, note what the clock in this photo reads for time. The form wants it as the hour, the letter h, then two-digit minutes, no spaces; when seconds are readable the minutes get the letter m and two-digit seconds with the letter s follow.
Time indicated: 11h19
